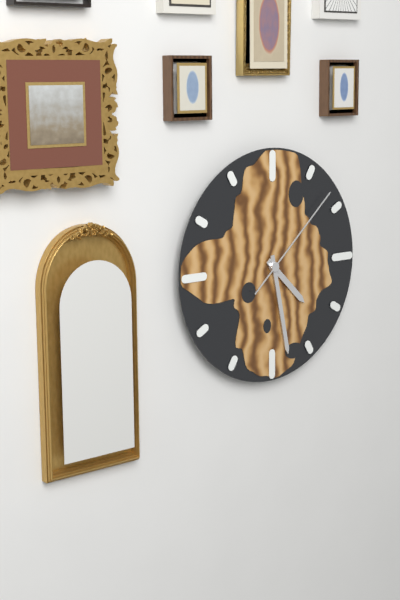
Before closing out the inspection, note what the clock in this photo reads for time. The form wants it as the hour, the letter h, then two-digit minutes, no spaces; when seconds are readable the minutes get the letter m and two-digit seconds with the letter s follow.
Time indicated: 4h28m08s
